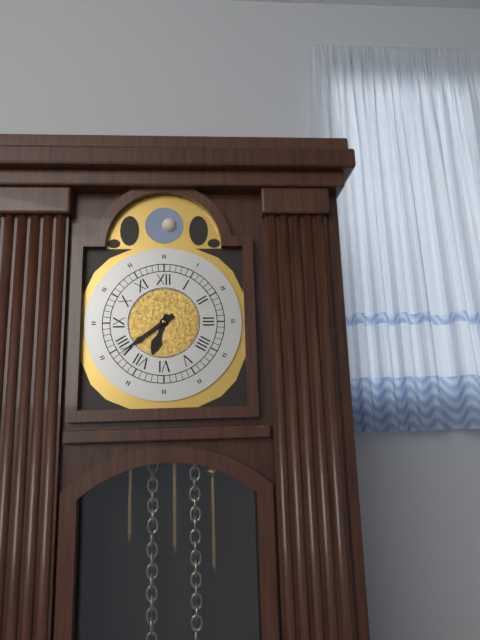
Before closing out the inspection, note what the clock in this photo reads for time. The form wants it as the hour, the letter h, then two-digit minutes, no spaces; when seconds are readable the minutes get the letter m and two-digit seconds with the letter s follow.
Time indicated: 6h39
